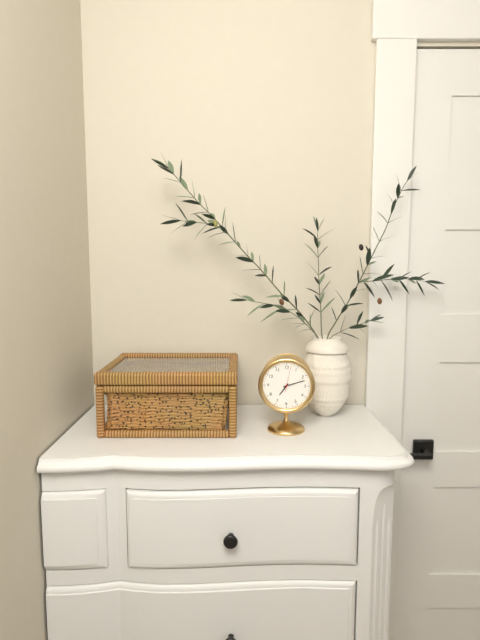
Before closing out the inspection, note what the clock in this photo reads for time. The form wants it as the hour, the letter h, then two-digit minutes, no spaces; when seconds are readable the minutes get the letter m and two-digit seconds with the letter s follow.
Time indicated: 7h12
